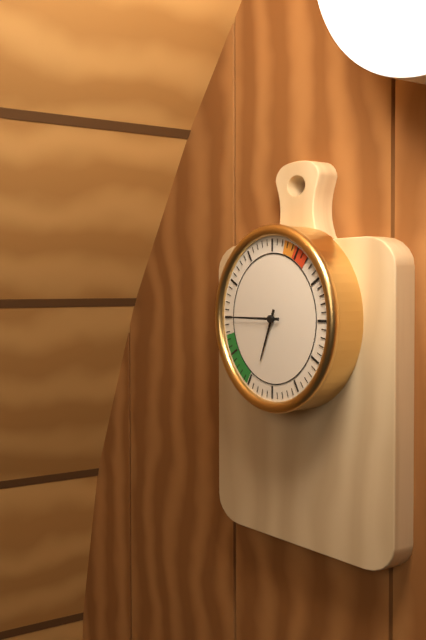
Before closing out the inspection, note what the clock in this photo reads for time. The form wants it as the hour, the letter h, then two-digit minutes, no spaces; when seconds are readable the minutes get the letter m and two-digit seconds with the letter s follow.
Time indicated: 6h45
